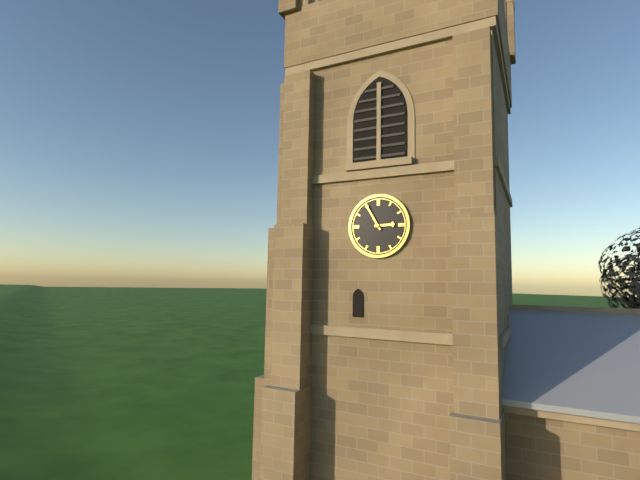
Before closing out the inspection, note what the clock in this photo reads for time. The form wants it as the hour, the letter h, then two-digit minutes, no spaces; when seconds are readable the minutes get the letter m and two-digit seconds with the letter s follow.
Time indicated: 2h55
